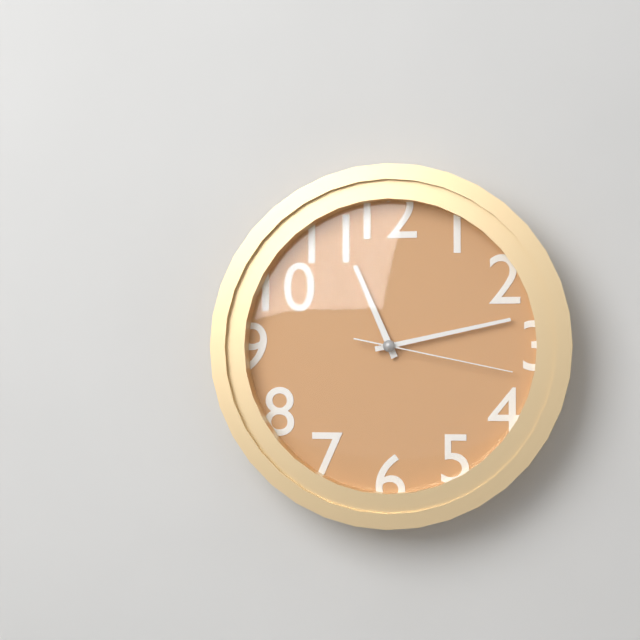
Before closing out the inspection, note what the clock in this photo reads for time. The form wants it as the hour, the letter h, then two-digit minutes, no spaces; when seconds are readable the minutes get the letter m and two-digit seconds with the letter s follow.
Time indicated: 11h13m17s
